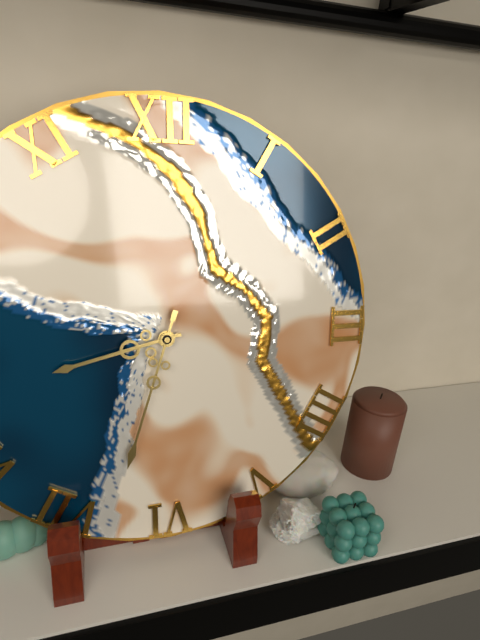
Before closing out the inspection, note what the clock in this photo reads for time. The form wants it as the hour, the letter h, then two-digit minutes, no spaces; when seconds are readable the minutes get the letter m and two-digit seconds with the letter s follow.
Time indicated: 8h33
